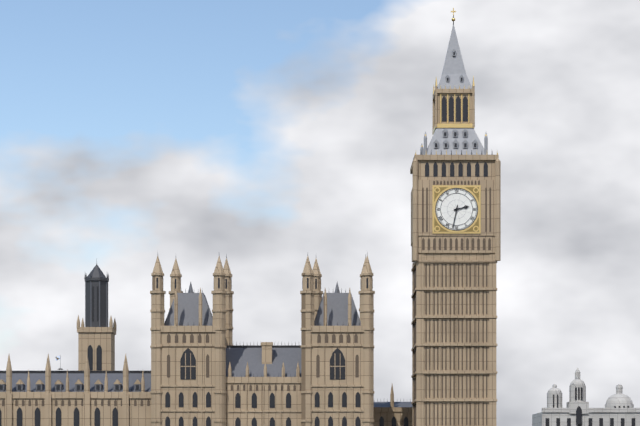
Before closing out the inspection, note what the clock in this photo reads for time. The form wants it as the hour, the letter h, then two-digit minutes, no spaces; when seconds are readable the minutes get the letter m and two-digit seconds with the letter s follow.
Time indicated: 2h32
